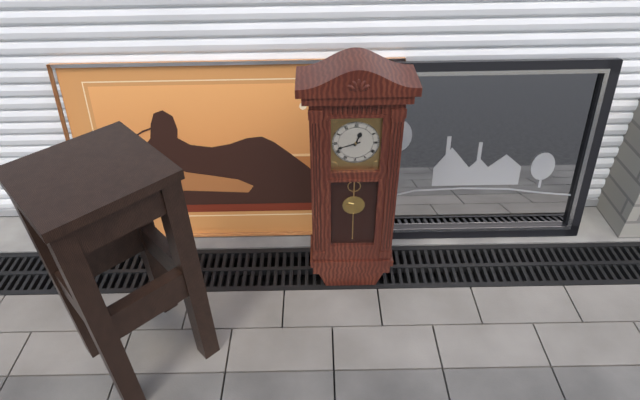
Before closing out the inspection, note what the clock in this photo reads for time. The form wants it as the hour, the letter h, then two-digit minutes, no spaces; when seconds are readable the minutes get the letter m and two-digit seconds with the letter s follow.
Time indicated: 12h42
